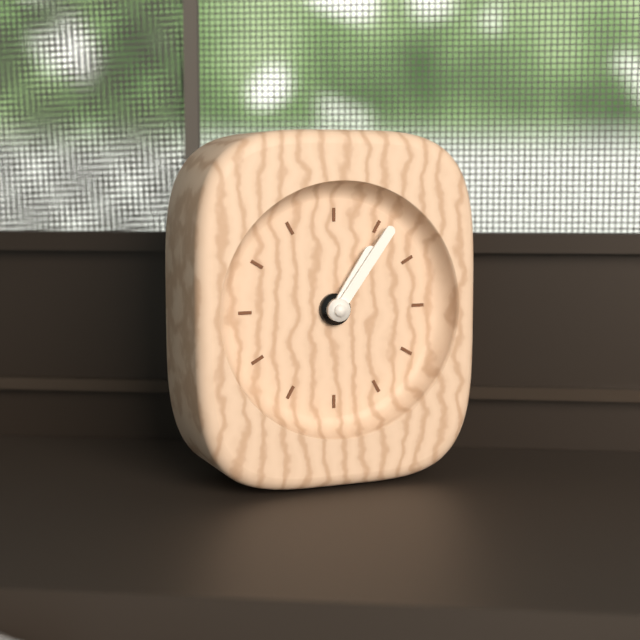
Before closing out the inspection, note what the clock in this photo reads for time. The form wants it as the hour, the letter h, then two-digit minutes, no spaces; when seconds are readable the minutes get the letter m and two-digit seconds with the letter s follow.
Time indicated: 1h06
